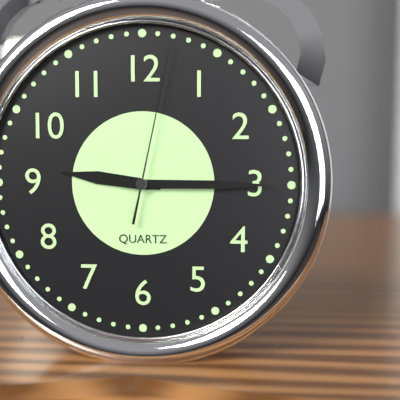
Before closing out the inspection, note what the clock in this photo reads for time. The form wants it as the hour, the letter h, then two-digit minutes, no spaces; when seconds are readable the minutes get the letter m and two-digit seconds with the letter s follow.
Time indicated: 9h15m02s
